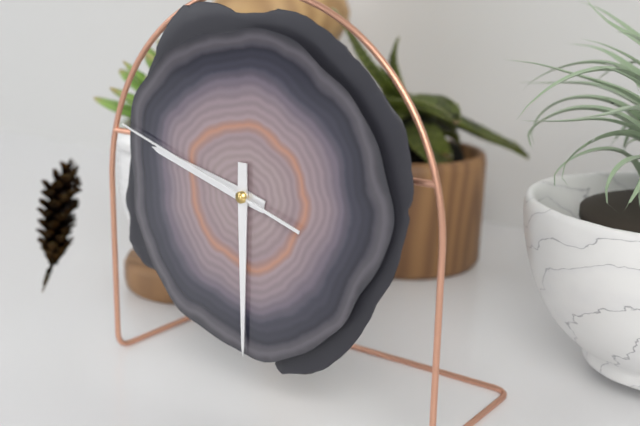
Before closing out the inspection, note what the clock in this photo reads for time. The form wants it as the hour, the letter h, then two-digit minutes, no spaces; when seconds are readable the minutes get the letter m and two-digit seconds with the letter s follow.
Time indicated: 9h30m48s
